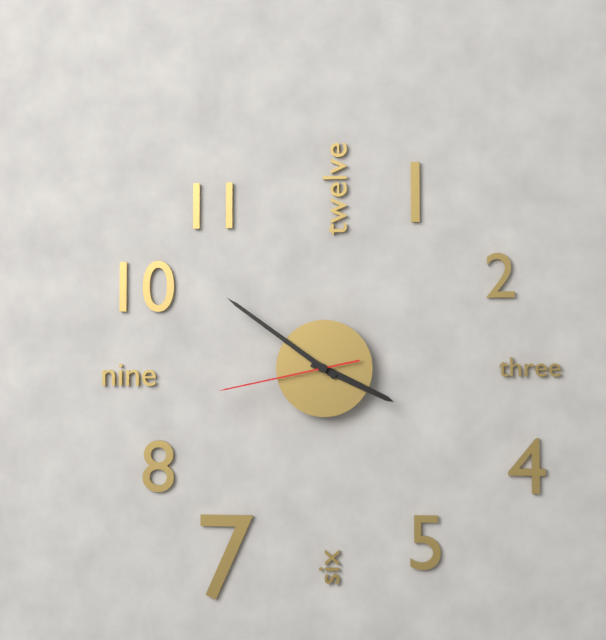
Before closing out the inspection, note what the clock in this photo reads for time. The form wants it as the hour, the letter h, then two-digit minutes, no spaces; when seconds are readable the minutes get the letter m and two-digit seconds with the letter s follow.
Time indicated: 3h51m43s
